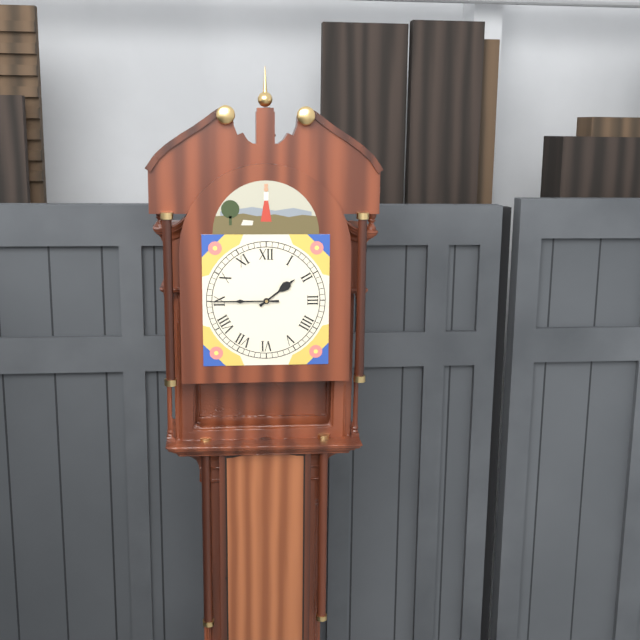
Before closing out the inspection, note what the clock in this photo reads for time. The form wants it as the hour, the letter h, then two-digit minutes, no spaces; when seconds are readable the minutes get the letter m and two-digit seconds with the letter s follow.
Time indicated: 1h45
